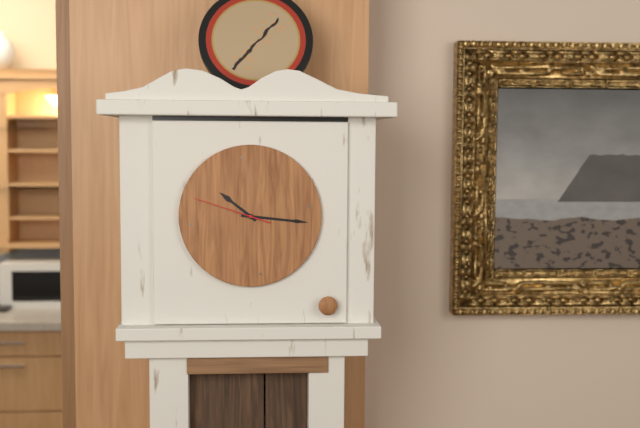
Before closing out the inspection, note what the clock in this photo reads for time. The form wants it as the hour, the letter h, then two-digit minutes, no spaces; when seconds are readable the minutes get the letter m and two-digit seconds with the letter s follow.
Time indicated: 10h16m48s
